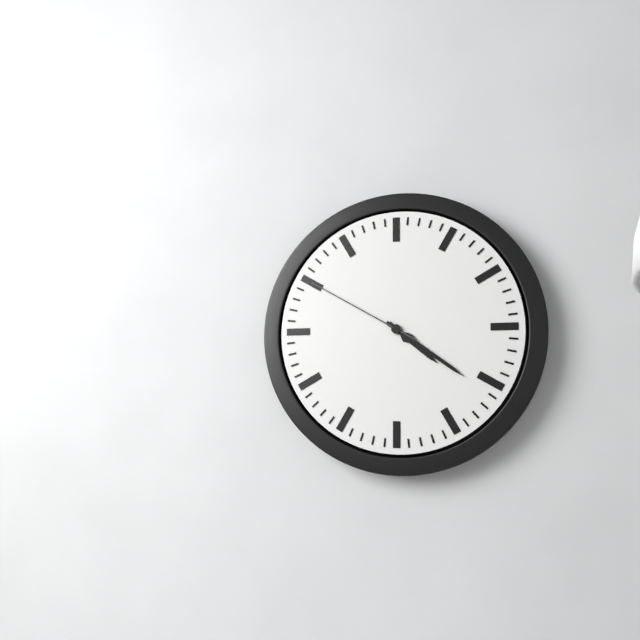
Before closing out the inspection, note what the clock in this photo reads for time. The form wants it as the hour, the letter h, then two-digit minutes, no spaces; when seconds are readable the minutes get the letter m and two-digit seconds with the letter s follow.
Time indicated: 4h21m50s
